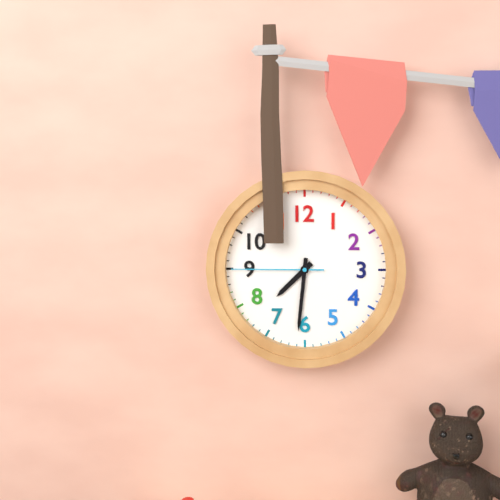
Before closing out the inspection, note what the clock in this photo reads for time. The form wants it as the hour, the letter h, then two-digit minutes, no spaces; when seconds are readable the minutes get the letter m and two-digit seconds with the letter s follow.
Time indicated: 7h31m45s
